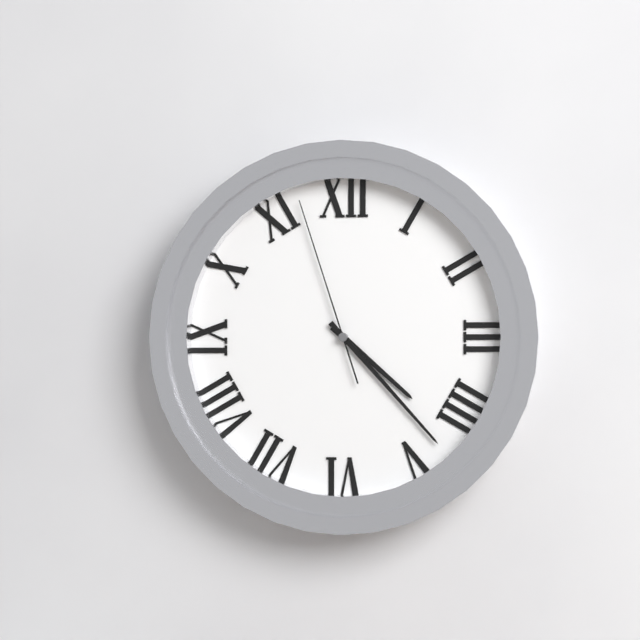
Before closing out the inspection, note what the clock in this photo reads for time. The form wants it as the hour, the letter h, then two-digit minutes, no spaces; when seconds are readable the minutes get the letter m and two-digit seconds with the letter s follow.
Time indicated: 4h23m57s
